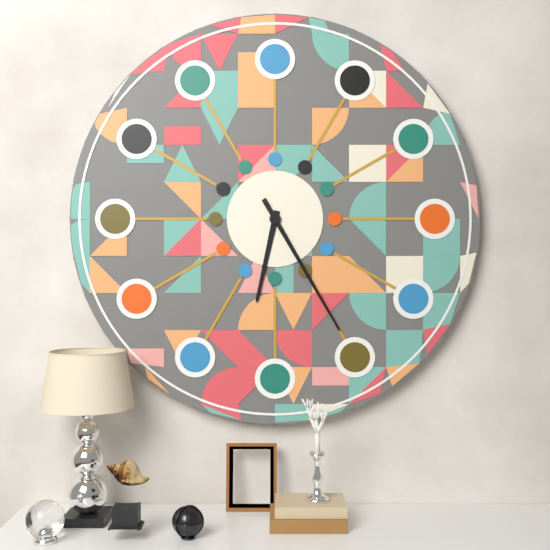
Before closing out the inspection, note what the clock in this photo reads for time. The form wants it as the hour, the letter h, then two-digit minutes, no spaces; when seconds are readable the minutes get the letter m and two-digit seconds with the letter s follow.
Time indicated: 6h25
